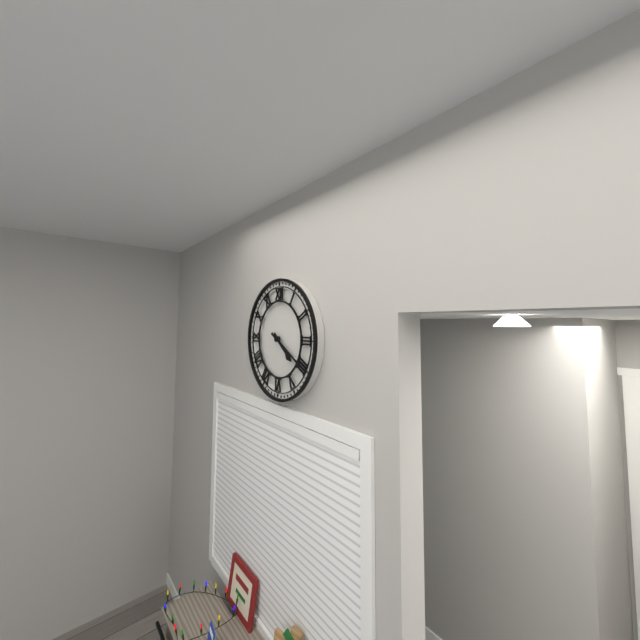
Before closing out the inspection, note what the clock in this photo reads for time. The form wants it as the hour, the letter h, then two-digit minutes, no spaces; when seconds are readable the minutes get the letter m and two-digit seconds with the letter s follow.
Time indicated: 4h20
